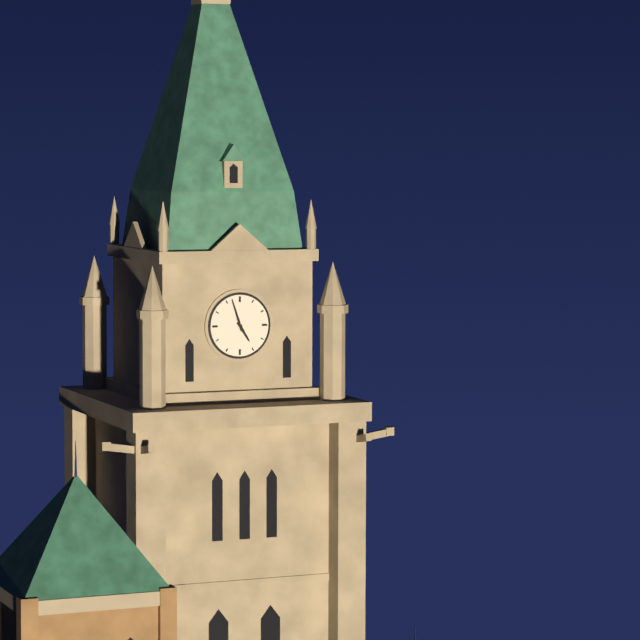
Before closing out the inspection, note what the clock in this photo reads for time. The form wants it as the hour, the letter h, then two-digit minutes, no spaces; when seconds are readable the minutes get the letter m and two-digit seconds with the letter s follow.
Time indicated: 4h57
